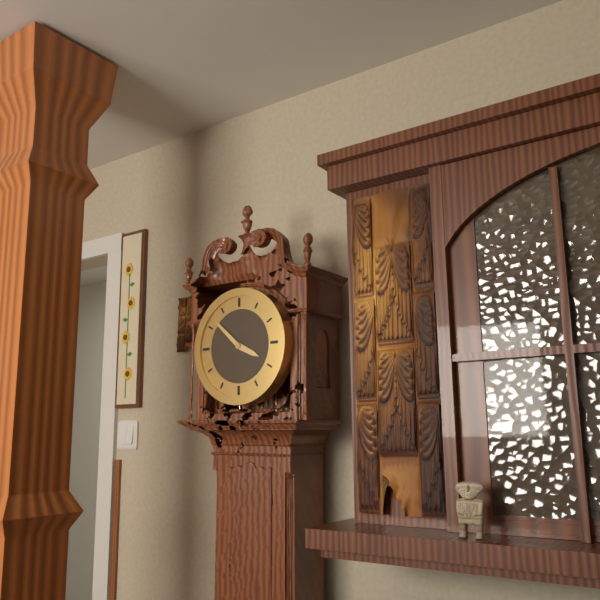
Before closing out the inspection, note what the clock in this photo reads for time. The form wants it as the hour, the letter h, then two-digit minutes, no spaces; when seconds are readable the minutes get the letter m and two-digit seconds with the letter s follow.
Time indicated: 3h52
